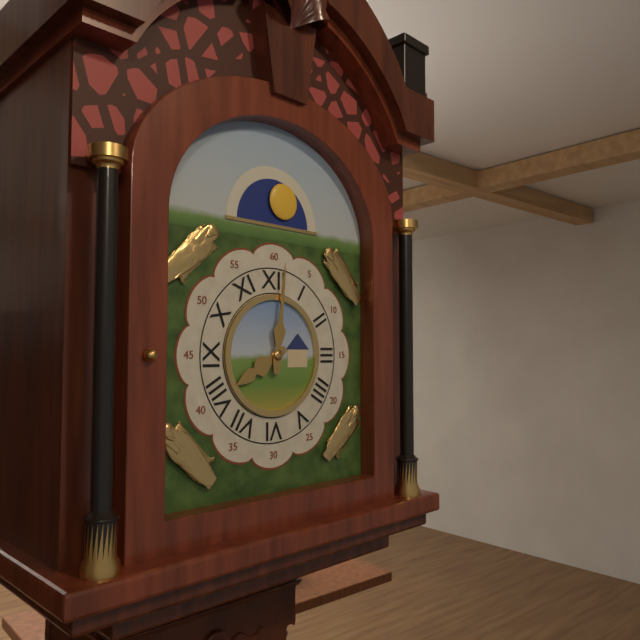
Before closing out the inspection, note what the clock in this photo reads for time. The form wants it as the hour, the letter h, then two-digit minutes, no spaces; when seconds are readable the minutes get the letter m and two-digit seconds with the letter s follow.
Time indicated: 8h01
